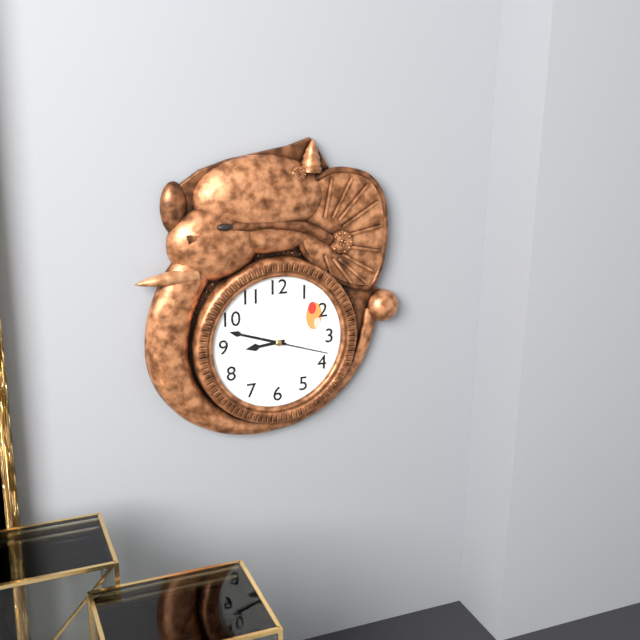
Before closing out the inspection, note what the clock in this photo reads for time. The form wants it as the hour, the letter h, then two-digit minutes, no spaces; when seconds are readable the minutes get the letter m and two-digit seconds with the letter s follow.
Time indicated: 8h48m18s
